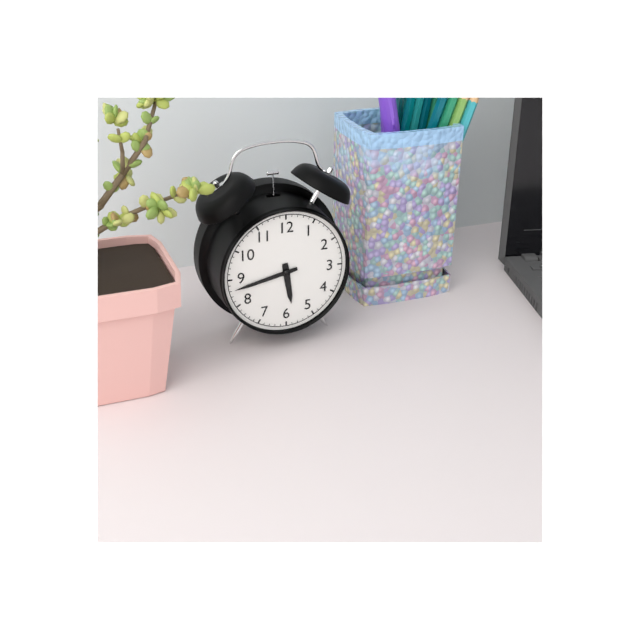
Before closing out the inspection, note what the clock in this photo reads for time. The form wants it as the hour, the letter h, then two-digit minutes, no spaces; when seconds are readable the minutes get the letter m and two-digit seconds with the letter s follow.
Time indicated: 5h43
